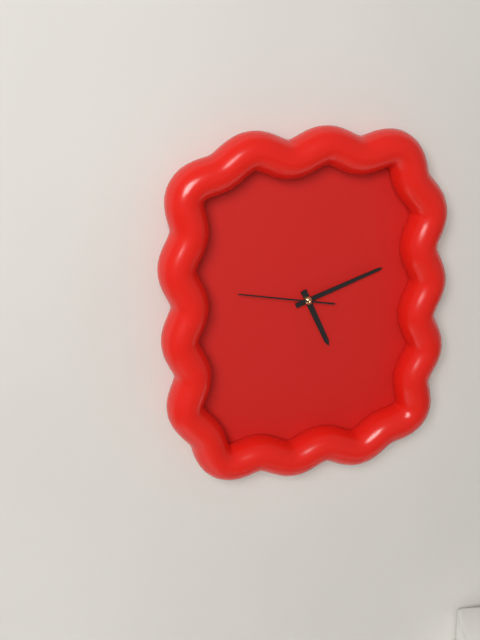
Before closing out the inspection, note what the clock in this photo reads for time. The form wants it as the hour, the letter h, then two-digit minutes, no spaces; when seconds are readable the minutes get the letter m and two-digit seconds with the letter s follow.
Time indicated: 5h12m47s
